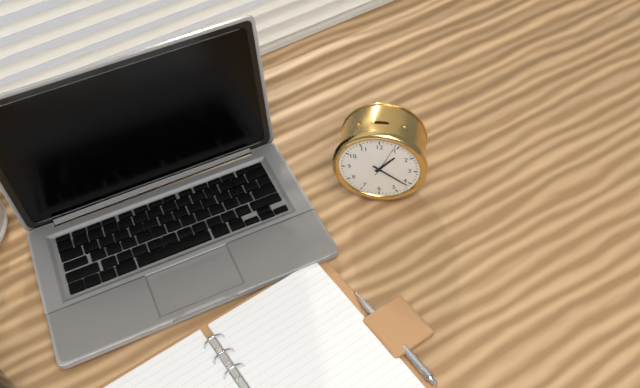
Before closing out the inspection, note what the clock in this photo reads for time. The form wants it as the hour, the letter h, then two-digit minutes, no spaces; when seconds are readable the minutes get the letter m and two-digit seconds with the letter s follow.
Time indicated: 1h21
